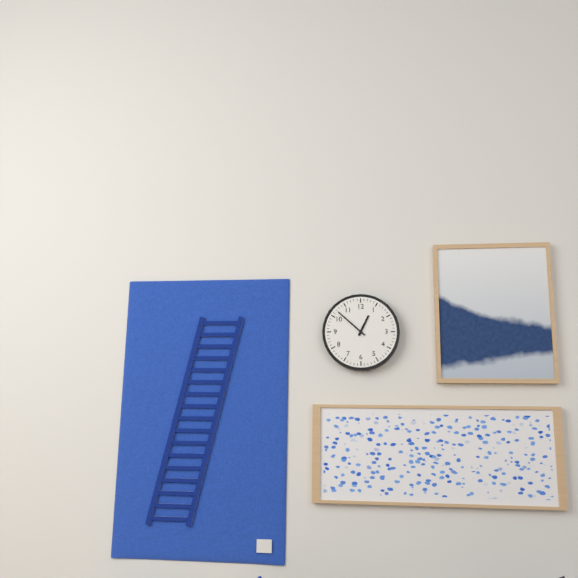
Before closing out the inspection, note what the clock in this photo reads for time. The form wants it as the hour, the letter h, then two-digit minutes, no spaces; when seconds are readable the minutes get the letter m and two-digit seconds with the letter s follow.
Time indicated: 12h52
